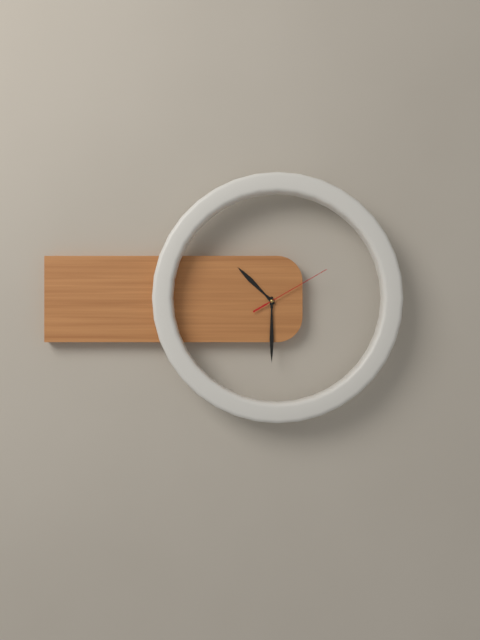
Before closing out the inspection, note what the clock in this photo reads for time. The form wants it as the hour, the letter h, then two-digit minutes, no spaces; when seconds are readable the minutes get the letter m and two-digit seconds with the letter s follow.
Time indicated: 10h30m10s
